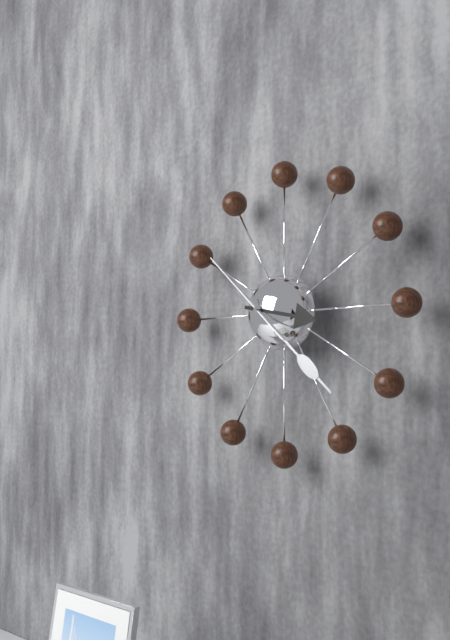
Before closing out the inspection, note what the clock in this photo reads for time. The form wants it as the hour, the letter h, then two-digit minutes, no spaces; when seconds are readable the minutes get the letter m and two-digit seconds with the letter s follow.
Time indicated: 3h22m52s
